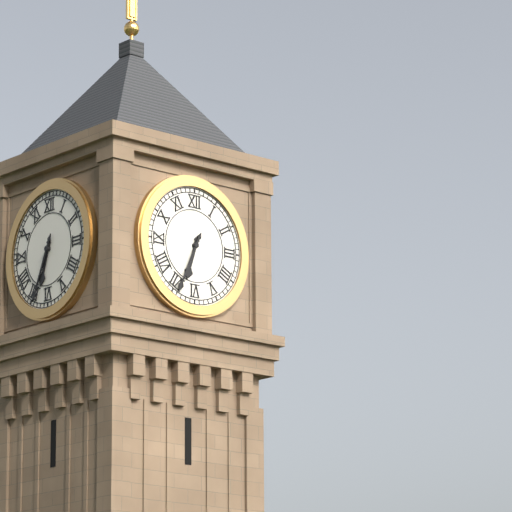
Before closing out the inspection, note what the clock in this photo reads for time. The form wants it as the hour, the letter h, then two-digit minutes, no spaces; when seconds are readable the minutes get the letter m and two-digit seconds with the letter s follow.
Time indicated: 6h34
